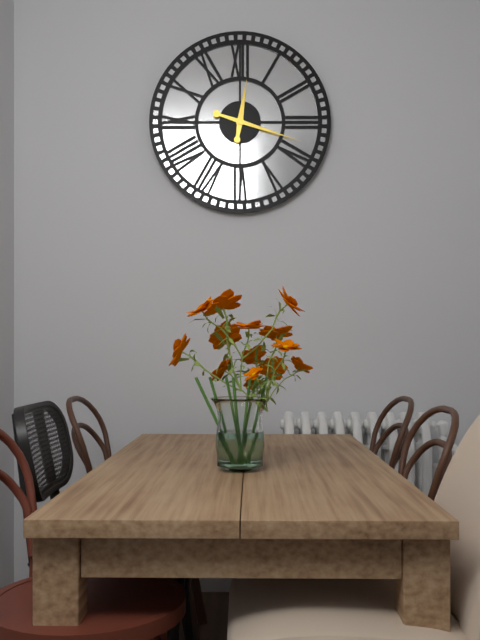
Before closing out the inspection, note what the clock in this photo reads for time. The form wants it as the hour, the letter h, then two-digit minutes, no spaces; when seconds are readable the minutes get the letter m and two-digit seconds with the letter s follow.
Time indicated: 12h18
